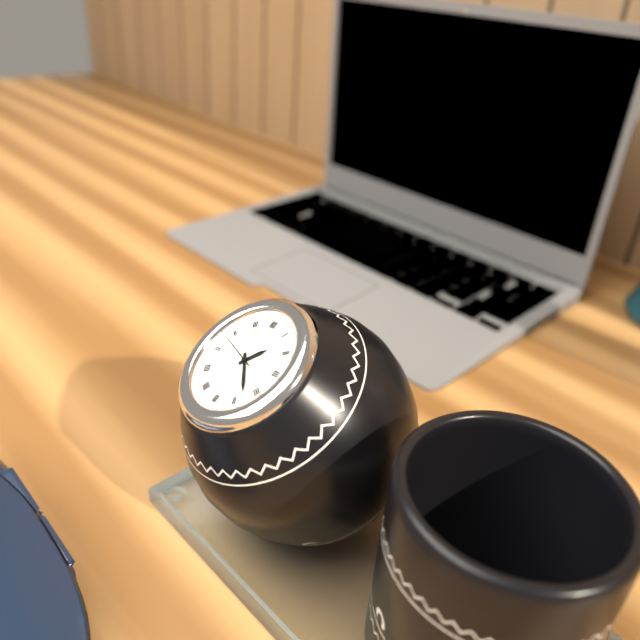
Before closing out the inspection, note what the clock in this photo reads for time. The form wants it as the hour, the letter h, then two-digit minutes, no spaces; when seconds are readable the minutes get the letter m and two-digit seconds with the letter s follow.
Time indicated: 1h23
